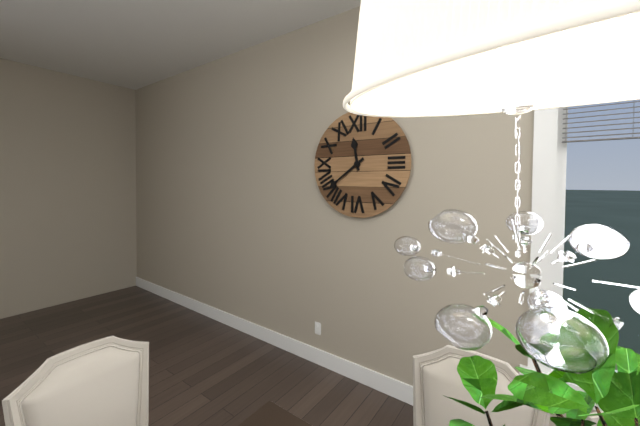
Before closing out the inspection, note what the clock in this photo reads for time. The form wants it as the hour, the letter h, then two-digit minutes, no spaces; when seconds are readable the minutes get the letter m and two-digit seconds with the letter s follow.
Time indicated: 11h39
